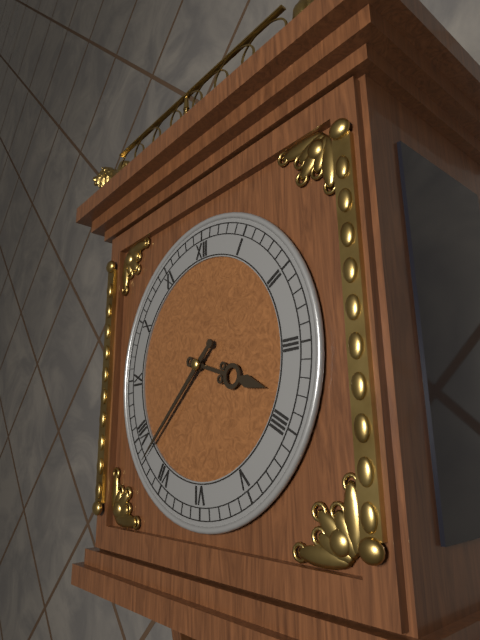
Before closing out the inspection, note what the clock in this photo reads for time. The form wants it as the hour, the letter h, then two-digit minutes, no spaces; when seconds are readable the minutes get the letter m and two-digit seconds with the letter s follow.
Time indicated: 3h38
